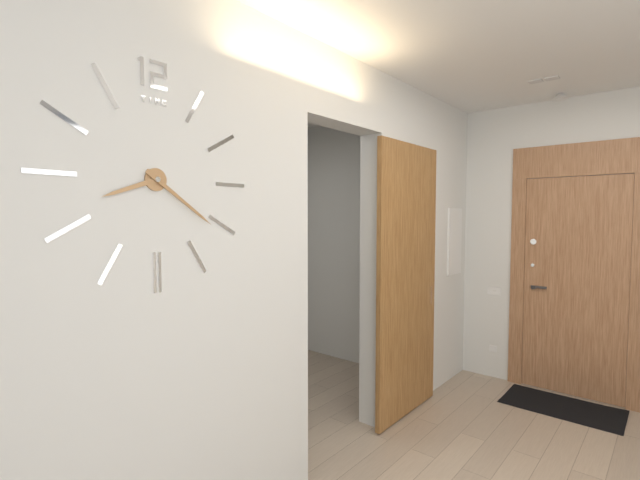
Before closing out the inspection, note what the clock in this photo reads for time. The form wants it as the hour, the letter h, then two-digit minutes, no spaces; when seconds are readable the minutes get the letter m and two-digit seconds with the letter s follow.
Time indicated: 8h21
